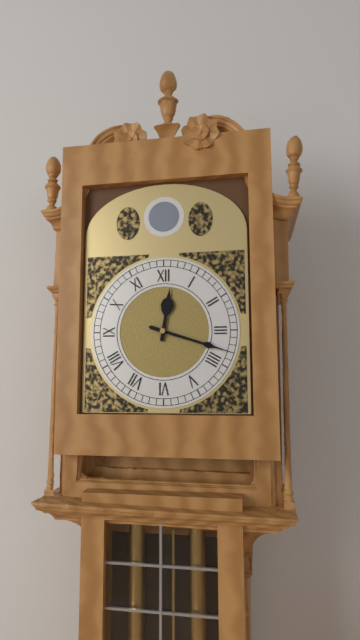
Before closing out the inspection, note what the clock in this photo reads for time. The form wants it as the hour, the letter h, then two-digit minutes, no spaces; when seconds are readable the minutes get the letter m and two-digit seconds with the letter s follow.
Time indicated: 12h18
